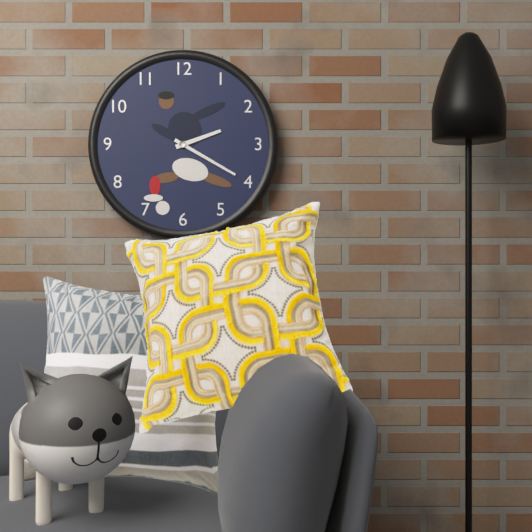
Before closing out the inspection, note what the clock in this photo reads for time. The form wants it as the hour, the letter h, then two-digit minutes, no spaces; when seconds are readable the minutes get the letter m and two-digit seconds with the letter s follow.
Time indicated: 2h20
